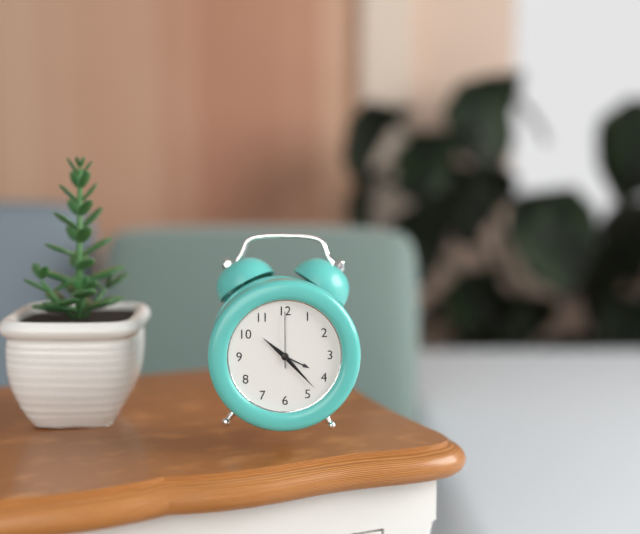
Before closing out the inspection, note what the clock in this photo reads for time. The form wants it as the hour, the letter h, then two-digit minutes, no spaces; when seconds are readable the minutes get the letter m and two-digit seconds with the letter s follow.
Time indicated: 10h23m00s
